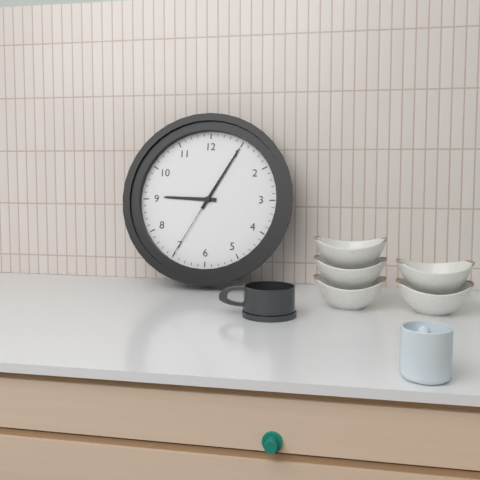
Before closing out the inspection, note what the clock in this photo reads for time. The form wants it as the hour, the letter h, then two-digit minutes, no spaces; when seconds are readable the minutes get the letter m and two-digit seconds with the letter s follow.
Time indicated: 9h05m35s
